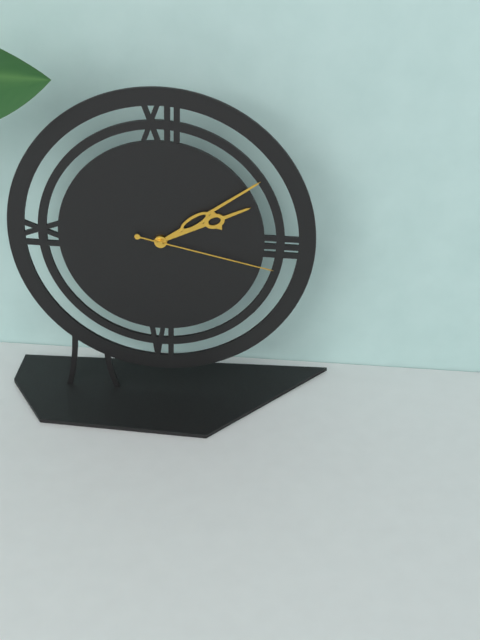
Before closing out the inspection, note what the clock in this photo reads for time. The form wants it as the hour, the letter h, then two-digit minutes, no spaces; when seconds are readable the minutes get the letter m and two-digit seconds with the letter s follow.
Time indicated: 2h09m17s
